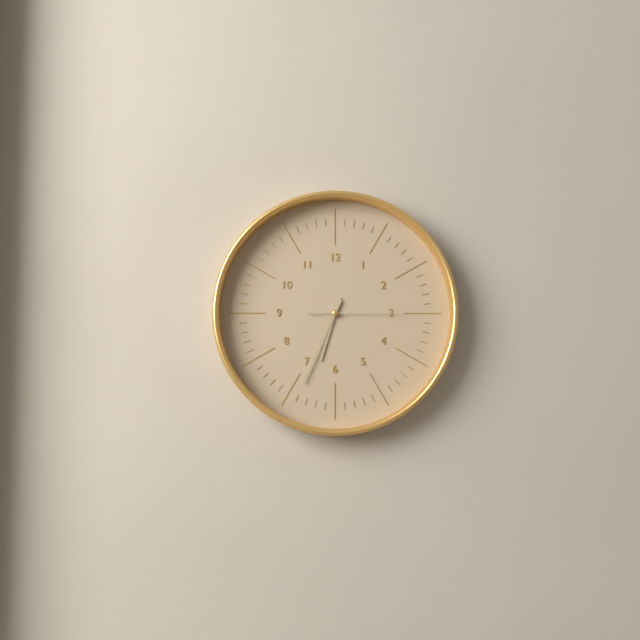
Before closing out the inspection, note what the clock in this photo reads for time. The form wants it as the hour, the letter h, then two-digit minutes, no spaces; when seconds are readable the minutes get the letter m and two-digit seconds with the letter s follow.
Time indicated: 6h34m15s
